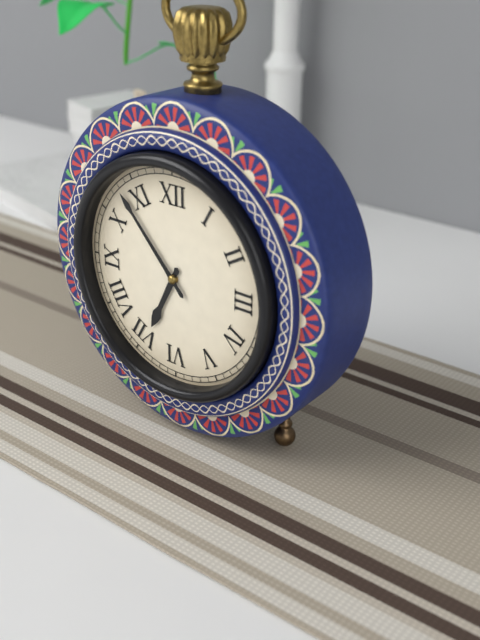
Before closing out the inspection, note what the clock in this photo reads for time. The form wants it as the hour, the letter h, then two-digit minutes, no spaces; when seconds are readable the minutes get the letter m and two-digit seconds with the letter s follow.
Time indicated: 6h53
